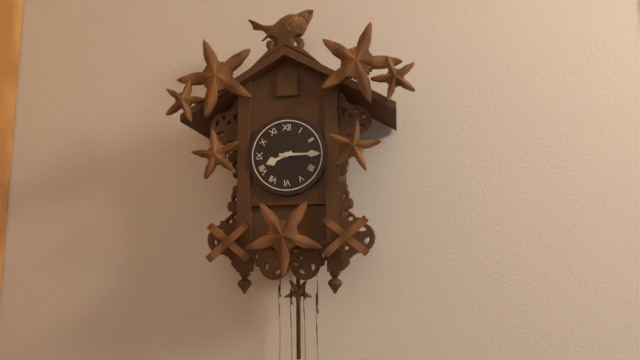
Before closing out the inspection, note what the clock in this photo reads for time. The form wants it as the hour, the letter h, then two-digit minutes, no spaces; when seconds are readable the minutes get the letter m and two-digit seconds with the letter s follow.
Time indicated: 8h15
